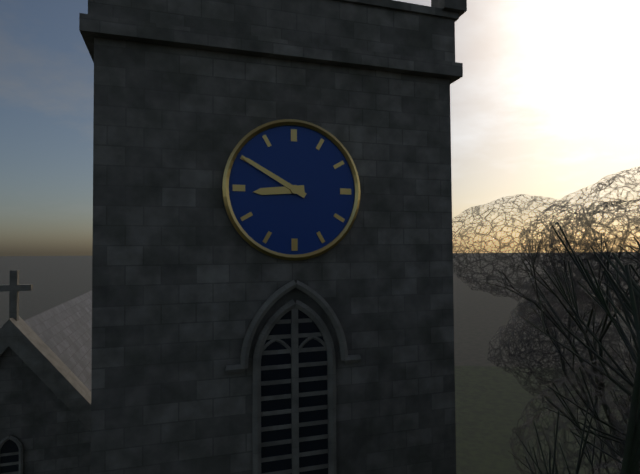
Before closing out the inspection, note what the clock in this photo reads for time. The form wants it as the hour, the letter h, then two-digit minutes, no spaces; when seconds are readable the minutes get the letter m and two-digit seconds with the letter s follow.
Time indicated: 8h50
